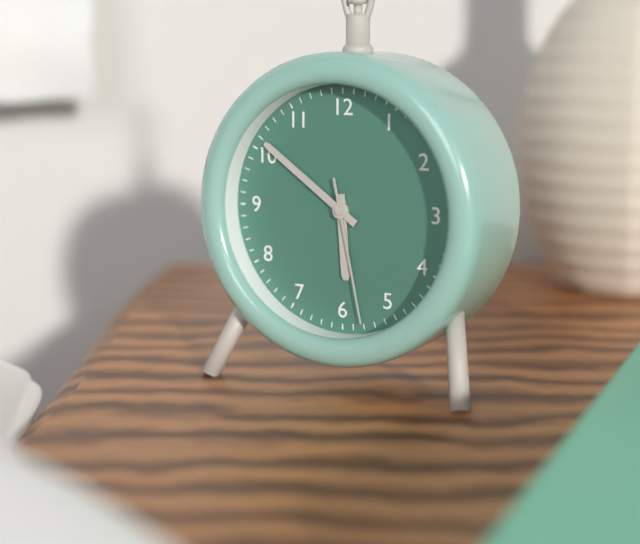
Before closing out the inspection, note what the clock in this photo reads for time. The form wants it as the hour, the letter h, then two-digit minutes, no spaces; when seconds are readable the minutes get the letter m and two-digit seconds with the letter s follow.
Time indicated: 5h51m28s
